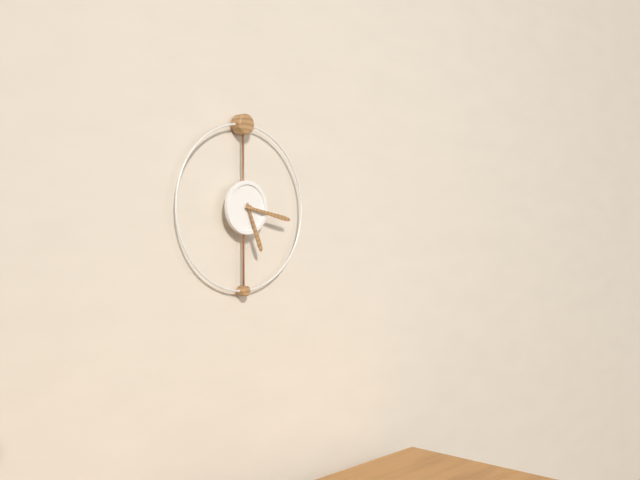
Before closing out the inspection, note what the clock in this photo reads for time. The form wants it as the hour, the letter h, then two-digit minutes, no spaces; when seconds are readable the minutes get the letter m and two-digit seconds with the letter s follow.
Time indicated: 5h17
